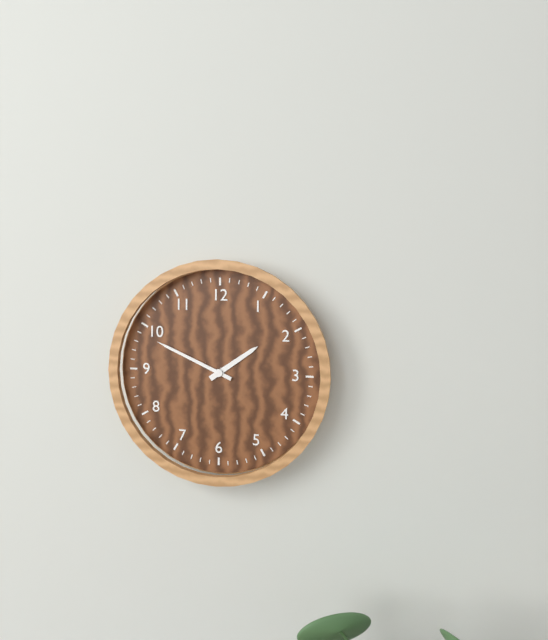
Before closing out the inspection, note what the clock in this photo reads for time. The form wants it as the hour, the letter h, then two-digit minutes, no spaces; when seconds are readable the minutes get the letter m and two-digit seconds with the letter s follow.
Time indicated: 1h49
